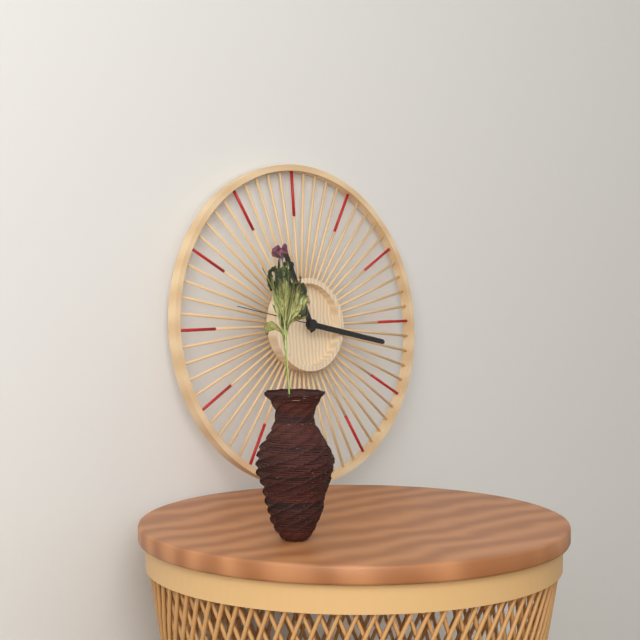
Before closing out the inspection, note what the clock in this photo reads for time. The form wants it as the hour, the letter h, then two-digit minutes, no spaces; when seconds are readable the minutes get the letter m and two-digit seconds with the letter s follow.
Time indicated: 11h17m47s
